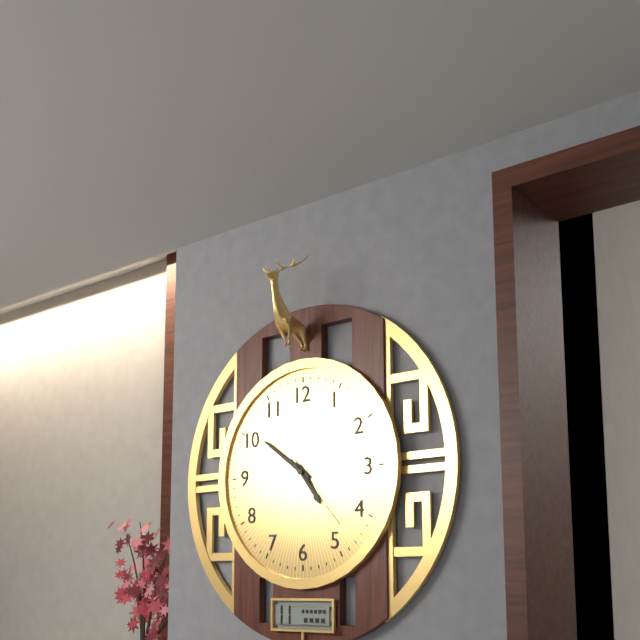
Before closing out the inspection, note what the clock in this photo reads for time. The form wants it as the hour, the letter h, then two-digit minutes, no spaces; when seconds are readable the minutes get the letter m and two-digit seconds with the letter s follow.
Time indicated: 4h51m23s
